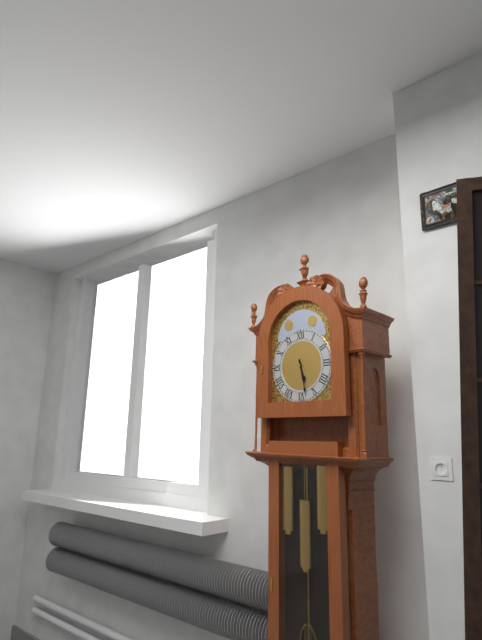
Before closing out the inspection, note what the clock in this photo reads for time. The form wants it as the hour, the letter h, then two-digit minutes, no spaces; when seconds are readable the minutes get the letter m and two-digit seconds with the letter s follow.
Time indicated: 5h28
